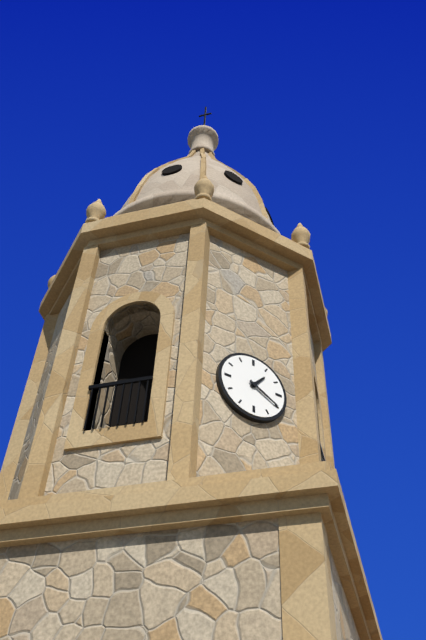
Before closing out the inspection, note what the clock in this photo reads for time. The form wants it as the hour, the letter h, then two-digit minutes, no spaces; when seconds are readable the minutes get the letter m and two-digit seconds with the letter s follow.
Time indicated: 1h20
